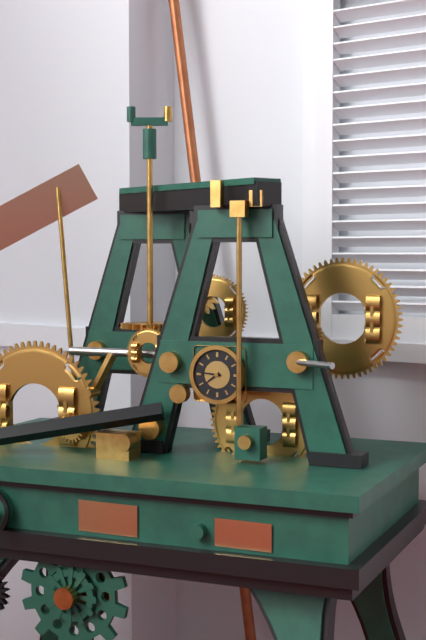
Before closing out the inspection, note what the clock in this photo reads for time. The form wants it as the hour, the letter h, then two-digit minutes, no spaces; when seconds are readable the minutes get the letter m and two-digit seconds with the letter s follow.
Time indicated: 7h46
